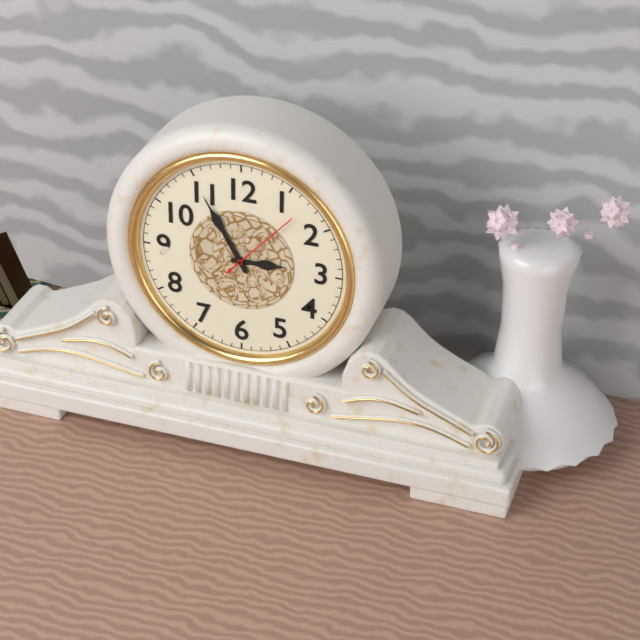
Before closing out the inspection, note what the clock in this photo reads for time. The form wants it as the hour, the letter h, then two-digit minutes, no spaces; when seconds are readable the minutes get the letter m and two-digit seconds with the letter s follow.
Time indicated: 2h55m07s
